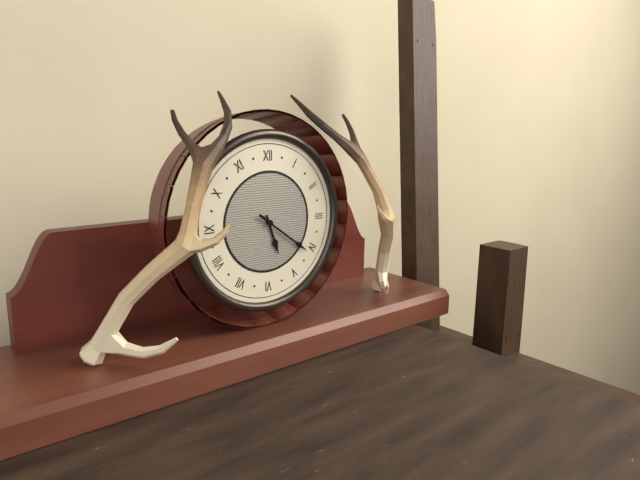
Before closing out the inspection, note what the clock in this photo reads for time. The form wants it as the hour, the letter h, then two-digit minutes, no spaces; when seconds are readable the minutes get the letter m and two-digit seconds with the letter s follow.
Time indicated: 5h21m21s
